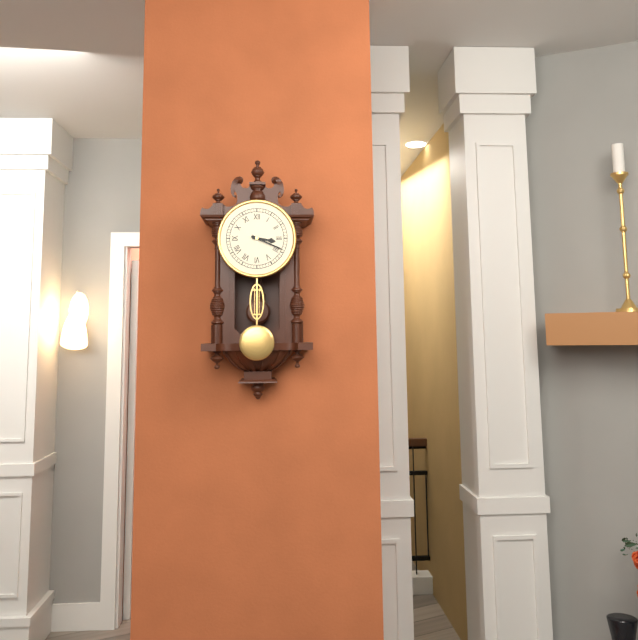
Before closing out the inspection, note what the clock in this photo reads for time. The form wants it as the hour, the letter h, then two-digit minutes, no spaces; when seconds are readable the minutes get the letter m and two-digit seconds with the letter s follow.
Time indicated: 3h19
